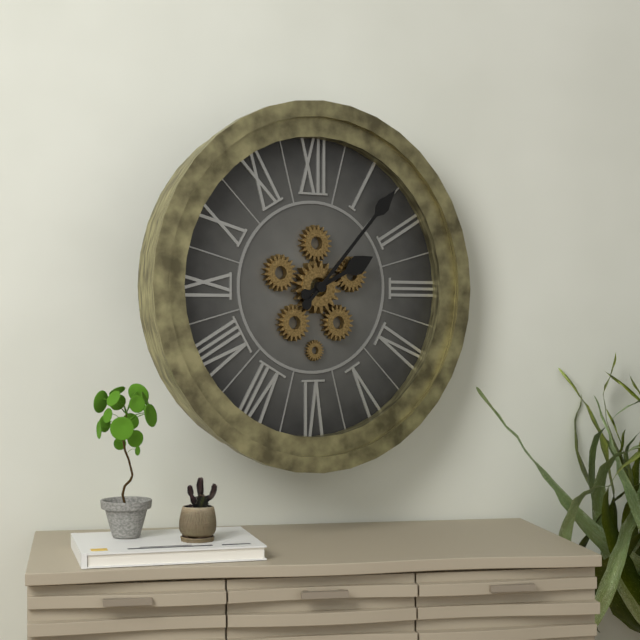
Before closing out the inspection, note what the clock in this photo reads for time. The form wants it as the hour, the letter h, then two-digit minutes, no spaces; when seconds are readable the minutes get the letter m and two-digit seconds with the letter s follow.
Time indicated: 2h07
